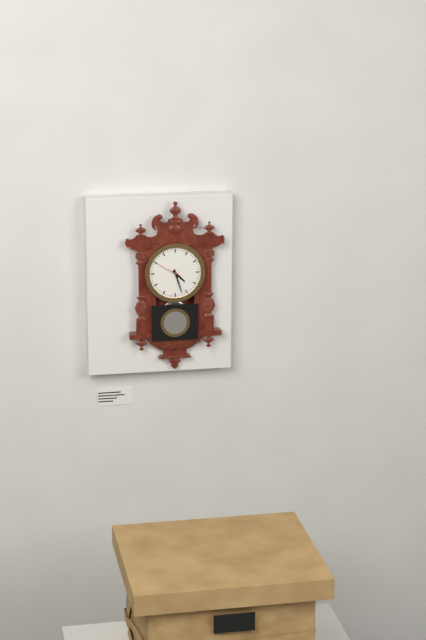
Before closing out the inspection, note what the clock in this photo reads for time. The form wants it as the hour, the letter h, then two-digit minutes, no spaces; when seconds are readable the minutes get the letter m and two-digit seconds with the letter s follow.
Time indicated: 4h27
